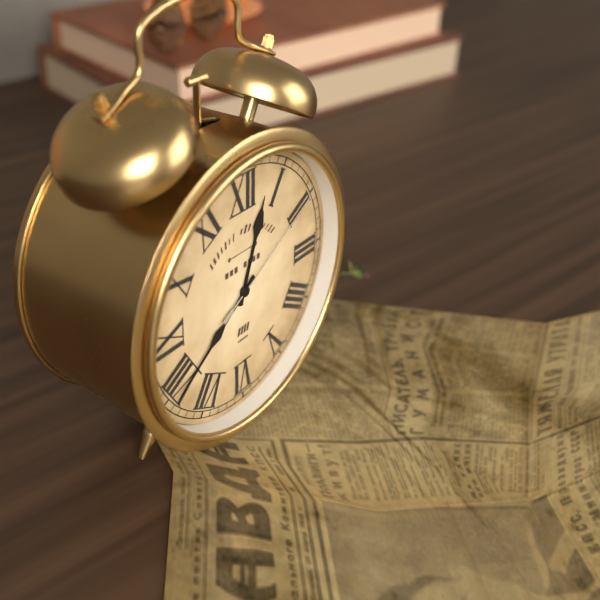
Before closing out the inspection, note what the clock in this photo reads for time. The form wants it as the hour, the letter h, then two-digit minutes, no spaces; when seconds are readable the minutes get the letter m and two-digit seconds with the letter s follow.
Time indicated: 12h39m10s
